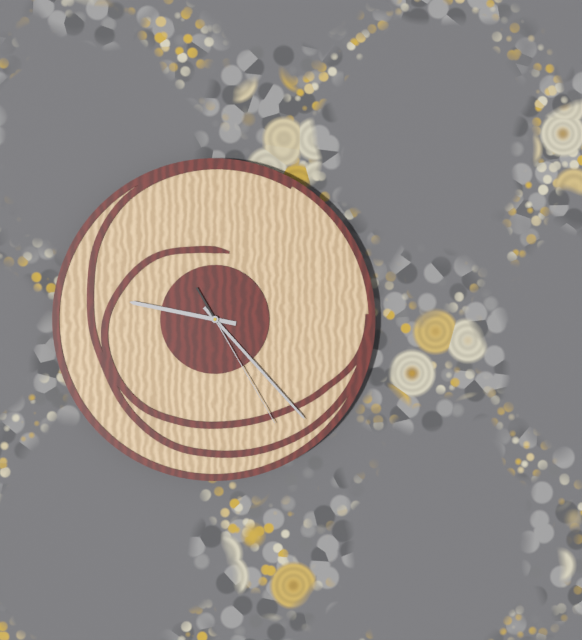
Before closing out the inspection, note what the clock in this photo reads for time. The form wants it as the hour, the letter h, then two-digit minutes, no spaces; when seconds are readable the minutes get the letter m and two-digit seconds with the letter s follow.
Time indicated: 9h23m25s
